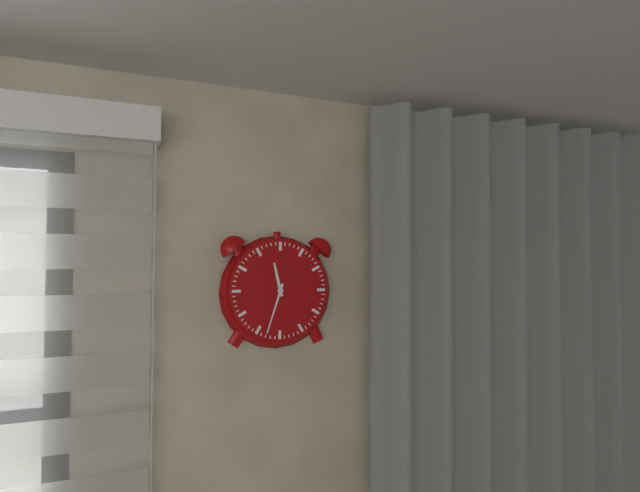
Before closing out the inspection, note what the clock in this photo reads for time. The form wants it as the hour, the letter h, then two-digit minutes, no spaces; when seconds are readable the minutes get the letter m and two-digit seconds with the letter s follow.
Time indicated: 11h33
